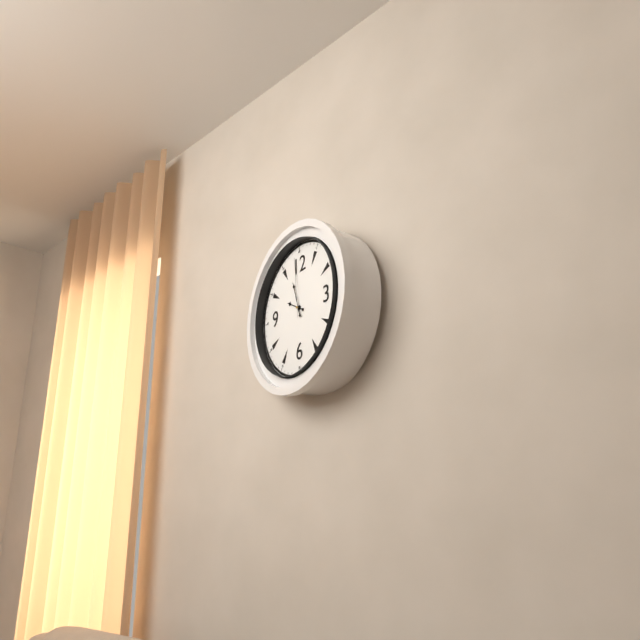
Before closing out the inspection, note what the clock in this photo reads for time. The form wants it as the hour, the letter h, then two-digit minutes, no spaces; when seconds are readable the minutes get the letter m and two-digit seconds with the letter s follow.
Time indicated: 9h57m59s
